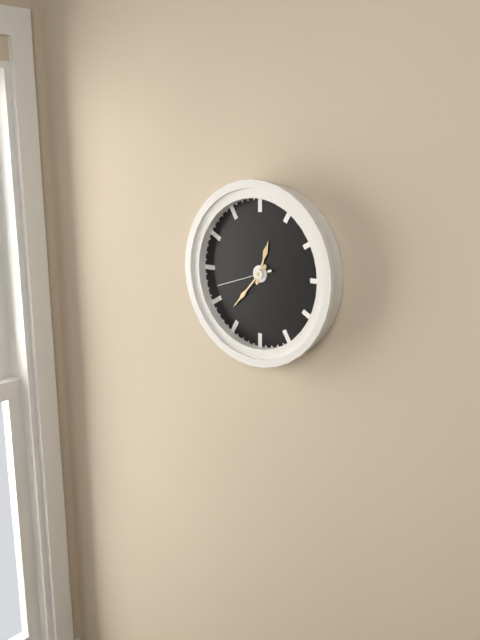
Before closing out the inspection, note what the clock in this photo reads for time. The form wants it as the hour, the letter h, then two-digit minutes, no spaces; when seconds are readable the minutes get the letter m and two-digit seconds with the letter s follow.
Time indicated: 12h37m42s
